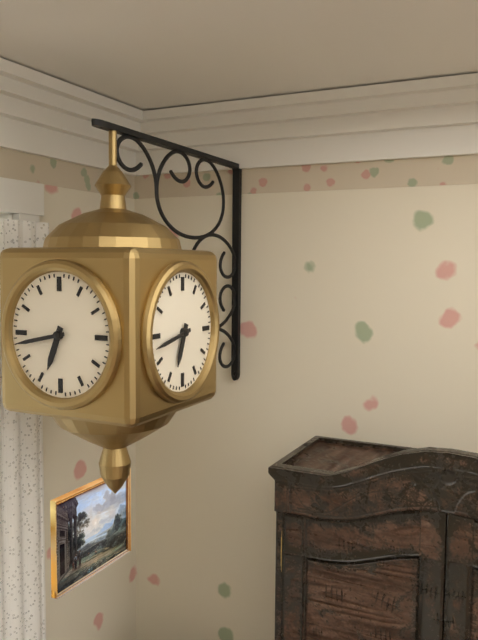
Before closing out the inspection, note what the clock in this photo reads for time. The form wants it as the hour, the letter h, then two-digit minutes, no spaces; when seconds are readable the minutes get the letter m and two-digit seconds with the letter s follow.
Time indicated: 6h43
